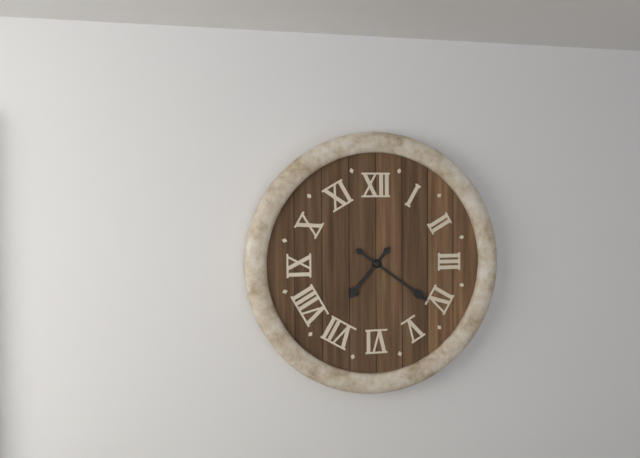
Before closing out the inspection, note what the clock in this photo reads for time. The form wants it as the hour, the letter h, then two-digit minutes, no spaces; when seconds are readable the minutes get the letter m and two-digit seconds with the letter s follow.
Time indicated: 7h21
